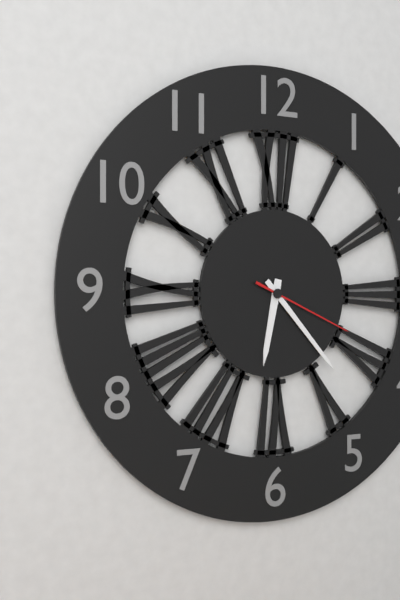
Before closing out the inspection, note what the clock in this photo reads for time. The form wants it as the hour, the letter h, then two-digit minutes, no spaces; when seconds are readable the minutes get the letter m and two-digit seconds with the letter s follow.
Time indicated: 6h23m19s
